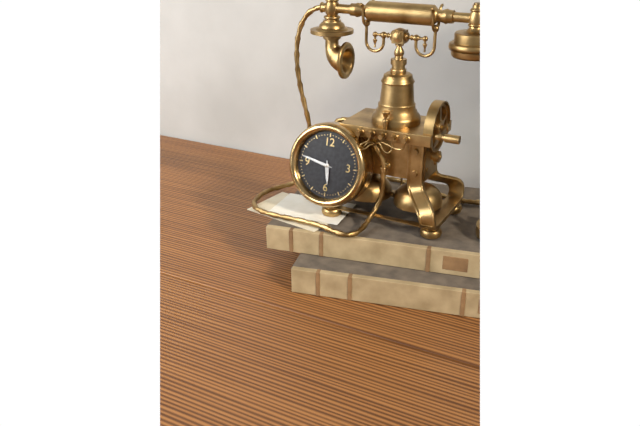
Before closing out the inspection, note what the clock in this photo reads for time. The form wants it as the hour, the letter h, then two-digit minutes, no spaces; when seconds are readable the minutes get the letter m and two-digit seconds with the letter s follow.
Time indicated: 5h47
